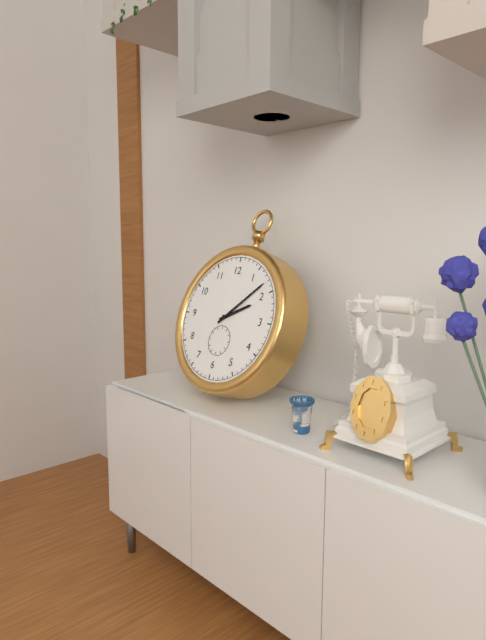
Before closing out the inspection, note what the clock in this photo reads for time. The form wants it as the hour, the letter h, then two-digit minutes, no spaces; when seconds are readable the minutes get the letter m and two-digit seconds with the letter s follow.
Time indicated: 2h08
